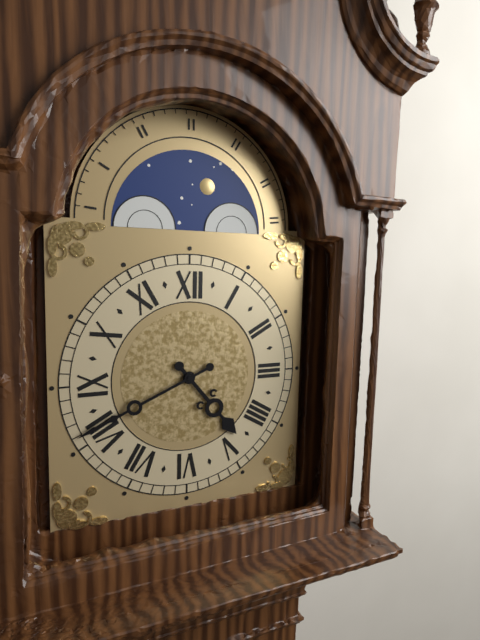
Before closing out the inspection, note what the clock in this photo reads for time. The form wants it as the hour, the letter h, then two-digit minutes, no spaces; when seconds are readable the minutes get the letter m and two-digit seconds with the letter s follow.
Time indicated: 4h41
